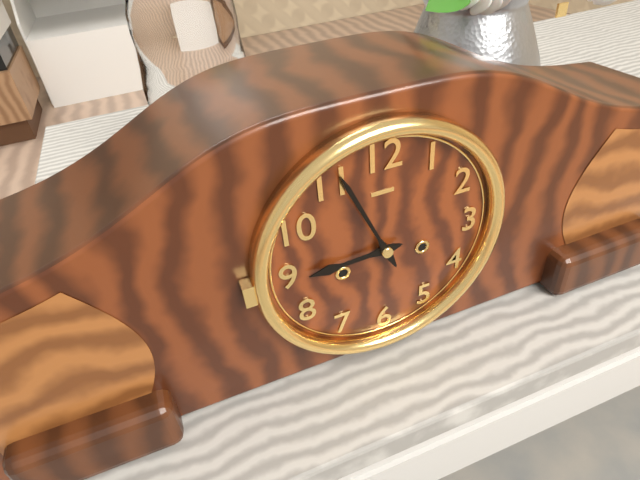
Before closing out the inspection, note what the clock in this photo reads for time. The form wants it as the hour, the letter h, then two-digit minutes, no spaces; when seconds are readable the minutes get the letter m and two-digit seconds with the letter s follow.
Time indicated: 8h56
